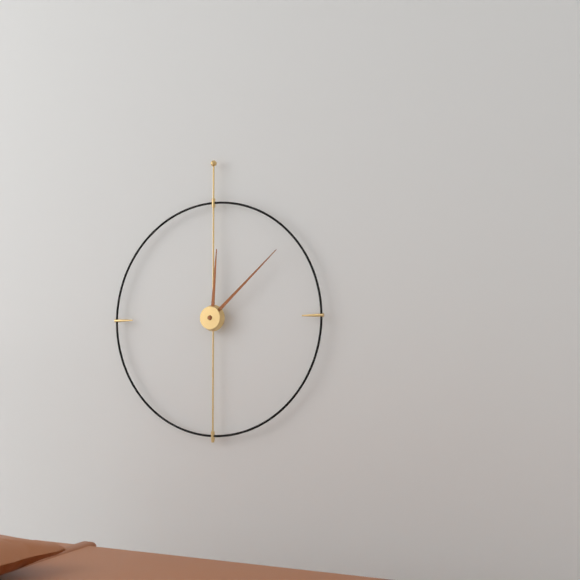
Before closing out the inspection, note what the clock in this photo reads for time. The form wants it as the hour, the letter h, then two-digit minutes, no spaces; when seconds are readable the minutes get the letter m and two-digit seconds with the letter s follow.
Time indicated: 12h08
